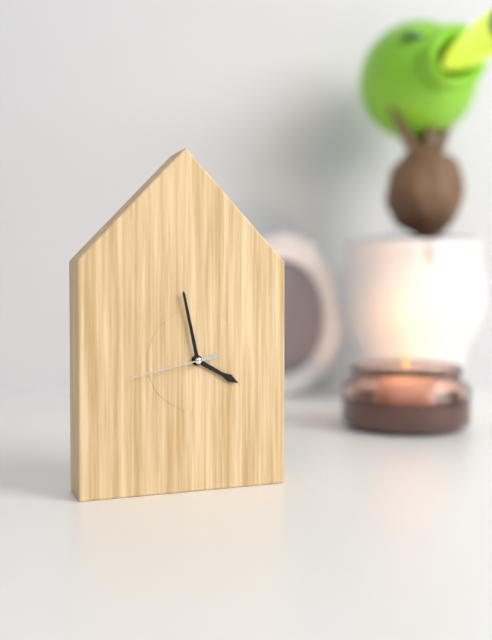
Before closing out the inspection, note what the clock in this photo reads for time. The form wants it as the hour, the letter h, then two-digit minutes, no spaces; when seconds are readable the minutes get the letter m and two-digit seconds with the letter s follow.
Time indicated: 3h58m43s
